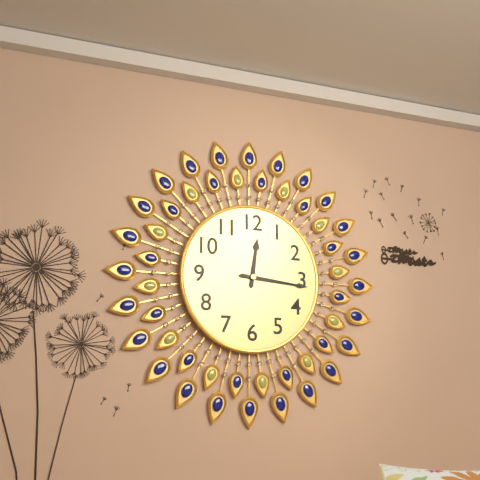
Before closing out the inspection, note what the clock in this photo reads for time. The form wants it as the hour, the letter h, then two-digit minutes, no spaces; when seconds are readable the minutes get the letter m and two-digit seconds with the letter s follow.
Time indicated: 12h16
